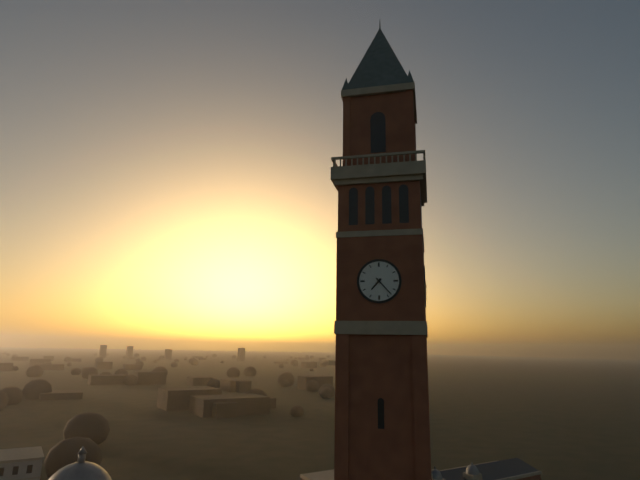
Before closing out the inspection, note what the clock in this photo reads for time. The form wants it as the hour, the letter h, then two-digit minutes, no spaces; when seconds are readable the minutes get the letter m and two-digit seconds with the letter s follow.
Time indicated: 7h23
